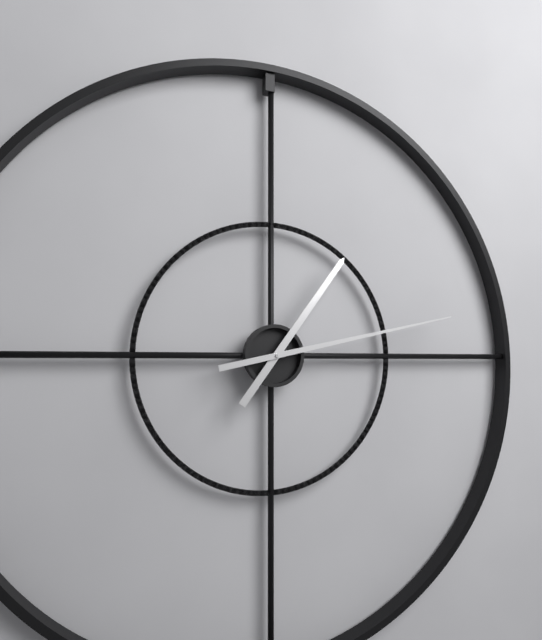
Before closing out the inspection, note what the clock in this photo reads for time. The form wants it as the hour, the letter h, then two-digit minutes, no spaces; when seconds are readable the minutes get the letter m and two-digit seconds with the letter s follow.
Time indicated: 1h13
